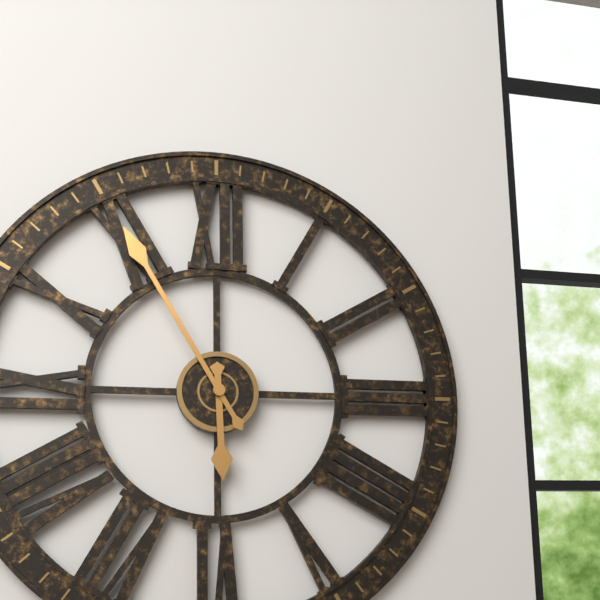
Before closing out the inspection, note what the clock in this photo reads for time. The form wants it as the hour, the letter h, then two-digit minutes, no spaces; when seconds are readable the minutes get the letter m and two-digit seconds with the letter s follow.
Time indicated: 5h55
